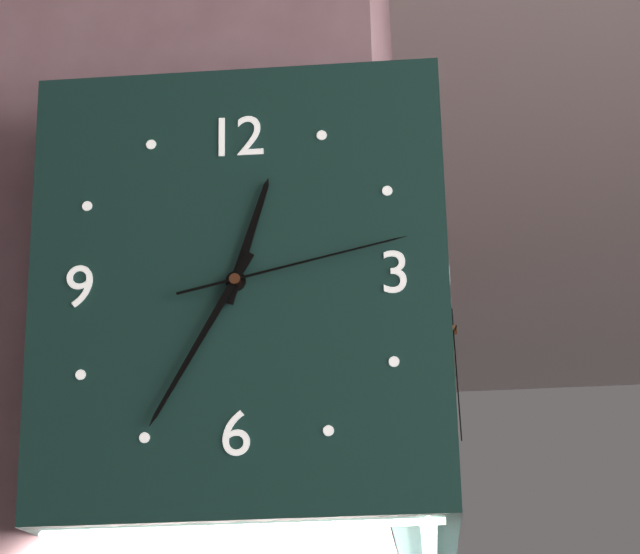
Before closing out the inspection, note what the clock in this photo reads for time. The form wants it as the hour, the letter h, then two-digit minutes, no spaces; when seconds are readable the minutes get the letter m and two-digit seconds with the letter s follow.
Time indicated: 12h35m13s
